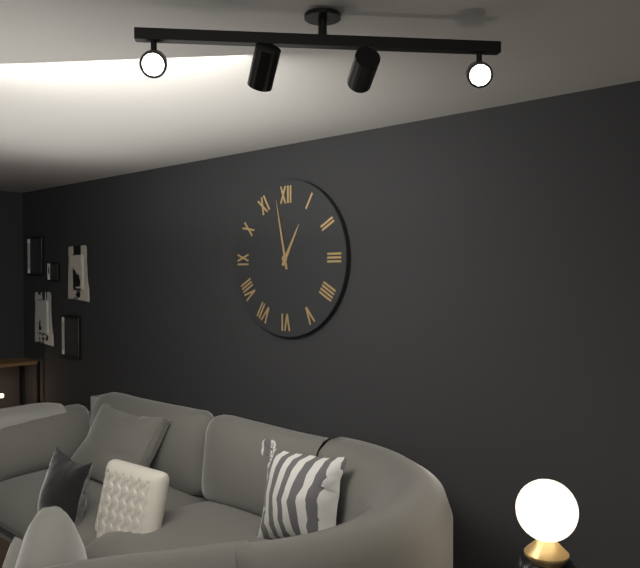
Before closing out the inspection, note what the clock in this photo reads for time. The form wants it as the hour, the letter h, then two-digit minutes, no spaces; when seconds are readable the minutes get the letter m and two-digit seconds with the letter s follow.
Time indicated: 12h58
